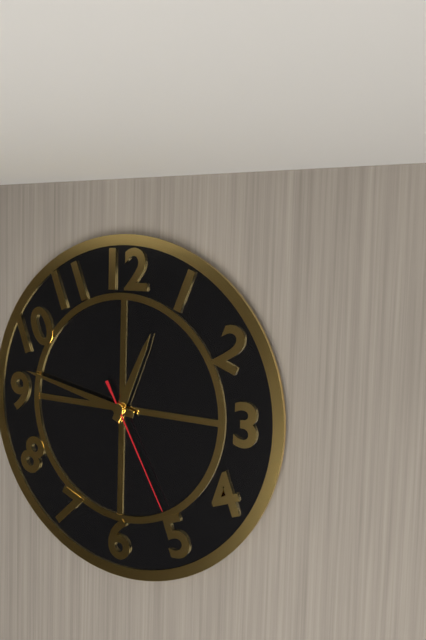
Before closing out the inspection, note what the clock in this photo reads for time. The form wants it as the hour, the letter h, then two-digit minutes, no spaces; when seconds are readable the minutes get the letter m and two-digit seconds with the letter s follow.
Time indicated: 12h47m25s
